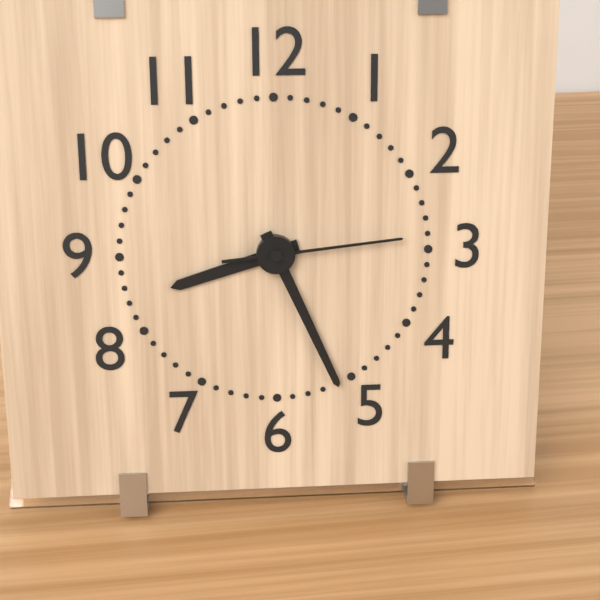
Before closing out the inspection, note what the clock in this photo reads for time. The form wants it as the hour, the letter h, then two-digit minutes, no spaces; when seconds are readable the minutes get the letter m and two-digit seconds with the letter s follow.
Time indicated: 8h26m14s
